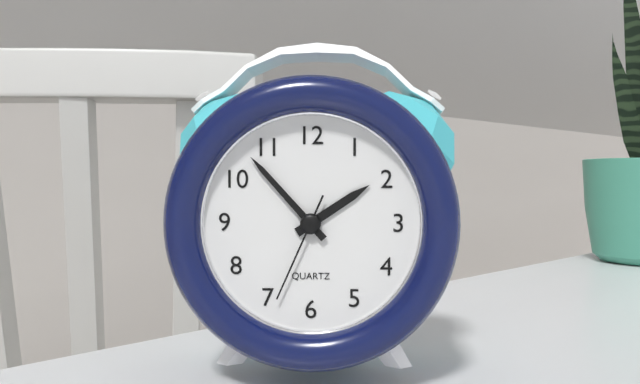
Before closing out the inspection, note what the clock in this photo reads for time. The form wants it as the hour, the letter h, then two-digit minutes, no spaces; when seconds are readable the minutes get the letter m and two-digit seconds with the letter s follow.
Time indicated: 1h53m34s
